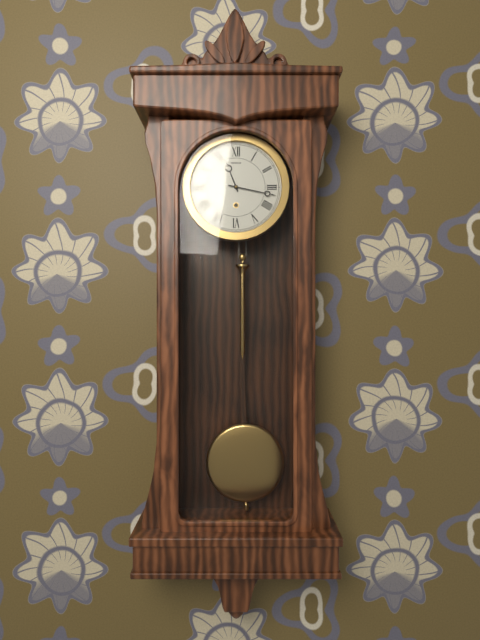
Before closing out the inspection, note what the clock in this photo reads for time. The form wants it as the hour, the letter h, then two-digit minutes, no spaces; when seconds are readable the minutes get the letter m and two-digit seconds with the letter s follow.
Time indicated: 11h17
